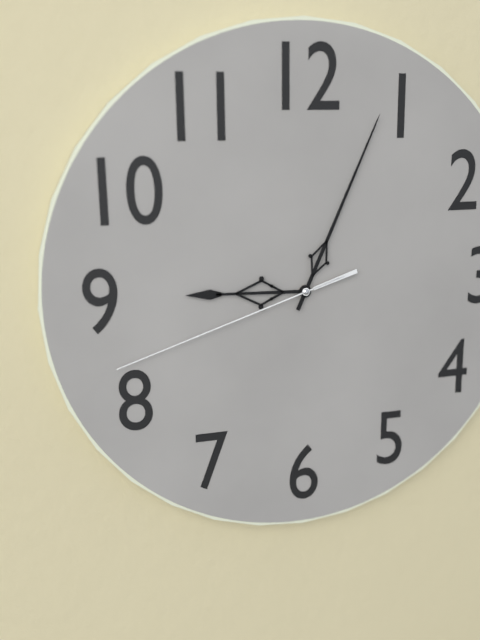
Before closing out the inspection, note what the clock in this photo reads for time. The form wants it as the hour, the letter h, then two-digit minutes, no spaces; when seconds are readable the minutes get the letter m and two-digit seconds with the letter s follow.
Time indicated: 9h04m42s
